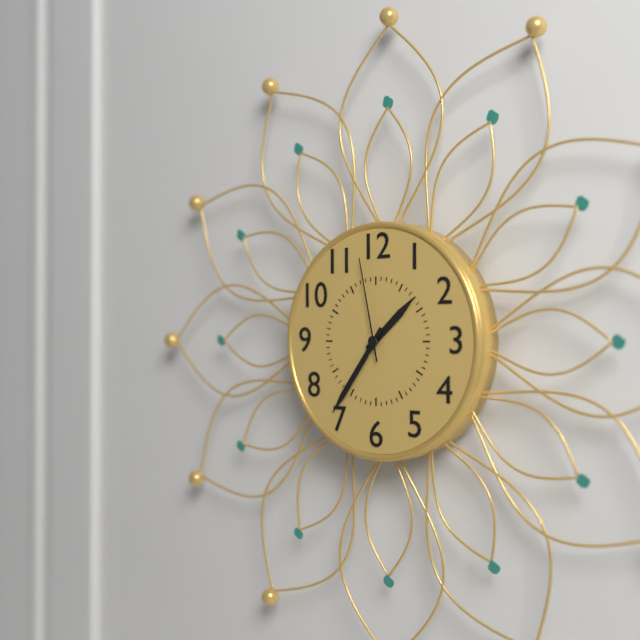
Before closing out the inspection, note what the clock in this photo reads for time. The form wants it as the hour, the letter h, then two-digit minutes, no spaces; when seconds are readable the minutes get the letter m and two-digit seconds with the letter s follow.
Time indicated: 1h36m58s
